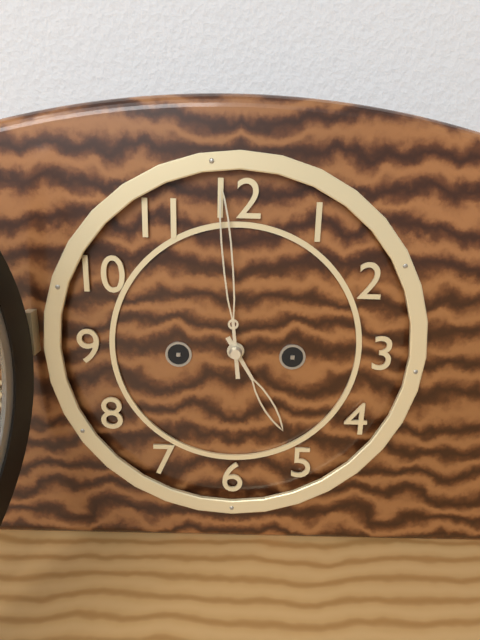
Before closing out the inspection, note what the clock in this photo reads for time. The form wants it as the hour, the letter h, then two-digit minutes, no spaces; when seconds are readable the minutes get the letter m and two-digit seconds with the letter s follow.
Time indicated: 4h59
